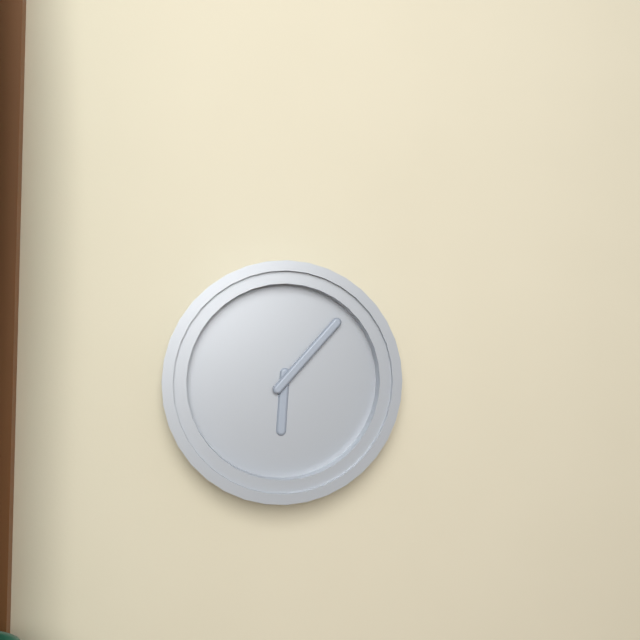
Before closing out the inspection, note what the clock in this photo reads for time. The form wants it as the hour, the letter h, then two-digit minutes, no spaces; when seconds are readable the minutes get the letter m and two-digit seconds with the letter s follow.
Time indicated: 6h07
